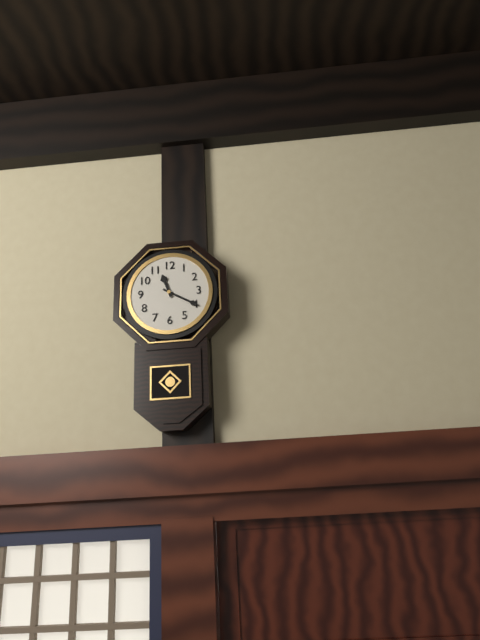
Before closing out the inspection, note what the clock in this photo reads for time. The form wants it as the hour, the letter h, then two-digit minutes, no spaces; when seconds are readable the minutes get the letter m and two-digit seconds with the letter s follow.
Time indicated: 11h20
